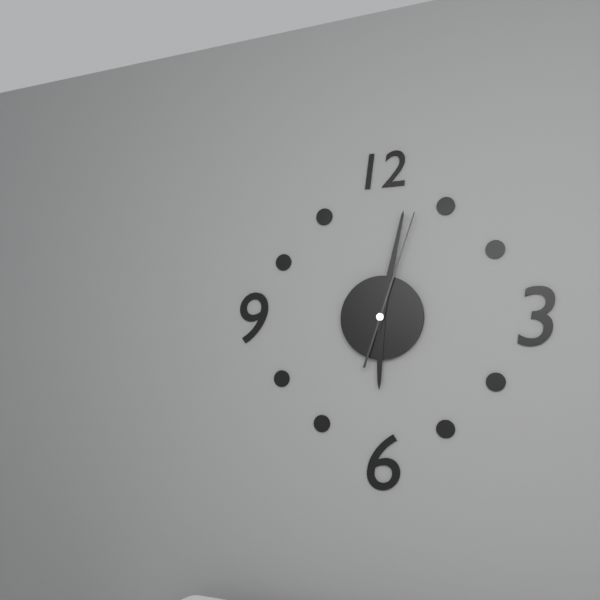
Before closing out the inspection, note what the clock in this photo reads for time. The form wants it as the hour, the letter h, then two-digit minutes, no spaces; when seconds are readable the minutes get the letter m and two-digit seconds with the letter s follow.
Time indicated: 6h02m03s
